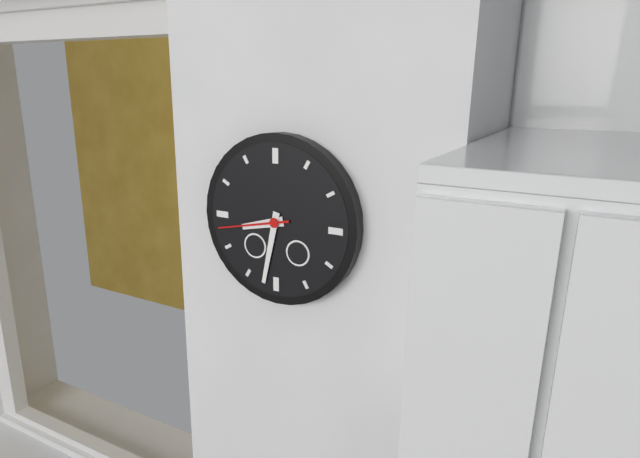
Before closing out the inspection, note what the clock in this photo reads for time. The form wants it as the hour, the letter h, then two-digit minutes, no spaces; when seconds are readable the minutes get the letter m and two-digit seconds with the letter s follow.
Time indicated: 8h32m43s
